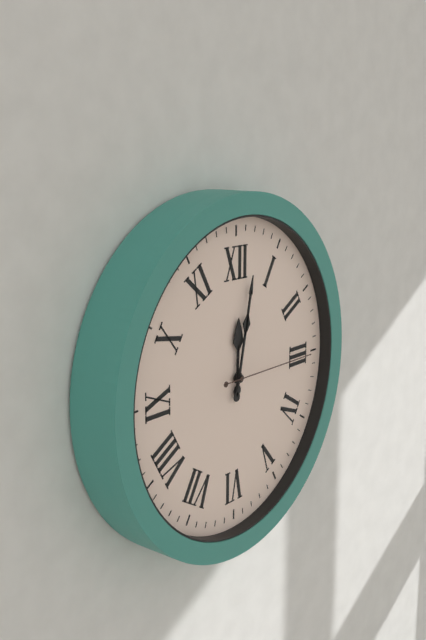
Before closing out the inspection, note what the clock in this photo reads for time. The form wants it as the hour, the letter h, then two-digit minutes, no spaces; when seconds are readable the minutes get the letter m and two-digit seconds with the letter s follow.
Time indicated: 12h02m15s
